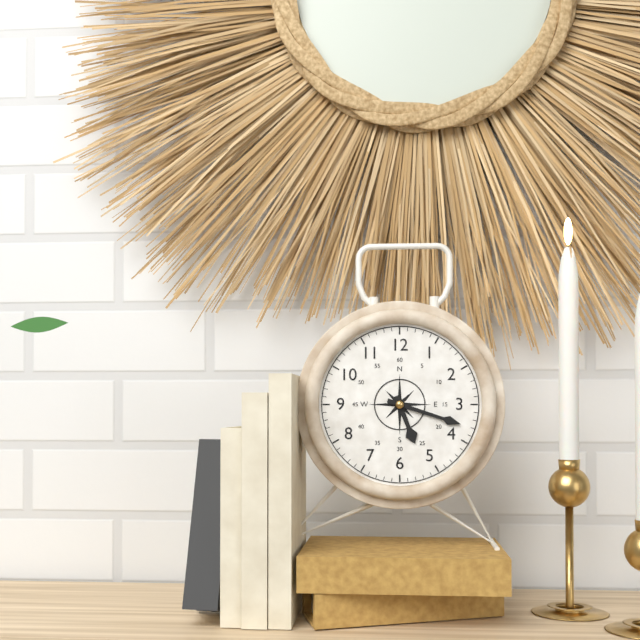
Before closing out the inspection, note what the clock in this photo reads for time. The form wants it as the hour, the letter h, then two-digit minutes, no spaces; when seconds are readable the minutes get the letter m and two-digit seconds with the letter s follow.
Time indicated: 5h18
